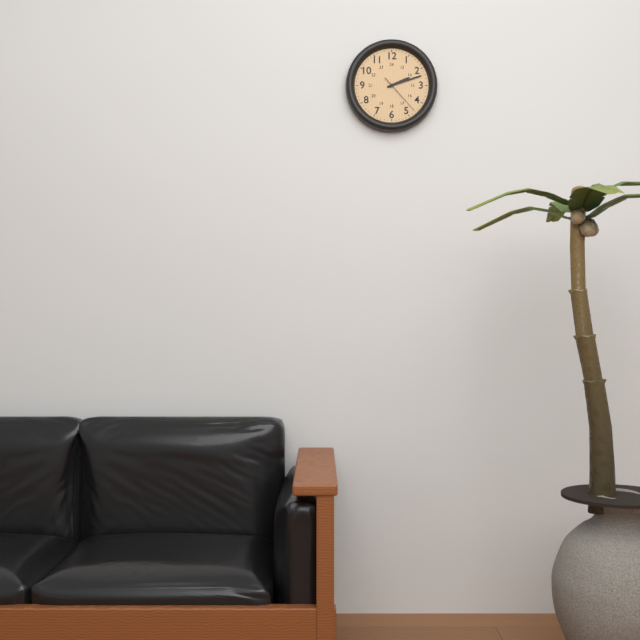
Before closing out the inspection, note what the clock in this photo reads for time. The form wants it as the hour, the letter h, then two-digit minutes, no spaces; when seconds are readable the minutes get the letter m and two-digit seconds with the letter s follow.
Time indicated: 2h12
